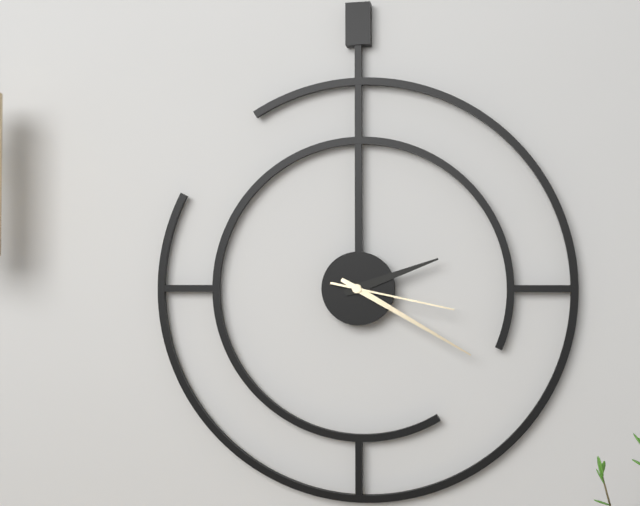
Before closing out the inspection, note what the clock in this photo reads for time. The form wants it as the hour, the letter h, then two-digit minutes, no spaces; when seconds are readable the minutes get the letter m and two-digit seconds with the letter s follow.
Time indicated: 2h20m17s
